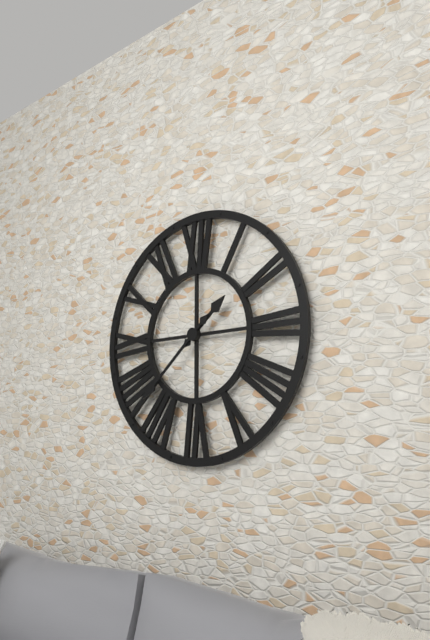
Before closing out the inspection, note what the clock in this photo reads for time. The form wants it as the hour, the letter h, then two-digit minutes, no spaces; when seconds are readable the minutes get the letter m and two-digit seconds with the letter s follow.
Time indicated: 1h38
